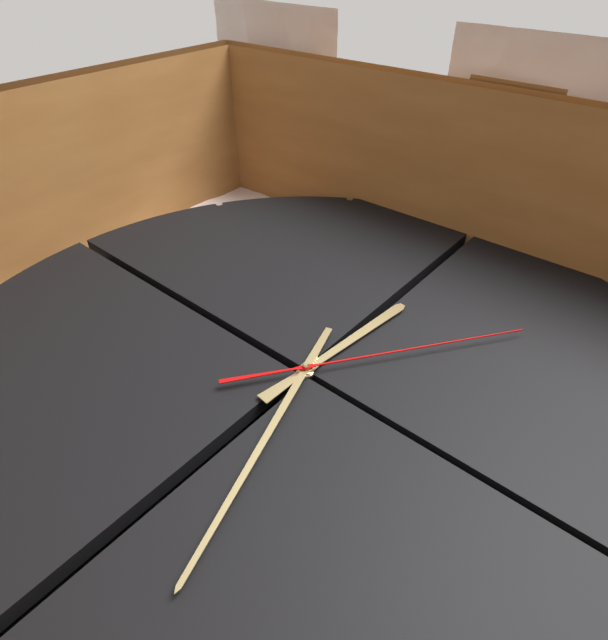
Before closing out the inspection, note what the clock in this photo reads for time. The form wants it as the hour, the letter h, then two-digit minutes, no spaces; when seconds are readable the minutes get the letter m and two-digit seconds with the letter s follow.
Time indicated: 9h12m51s
